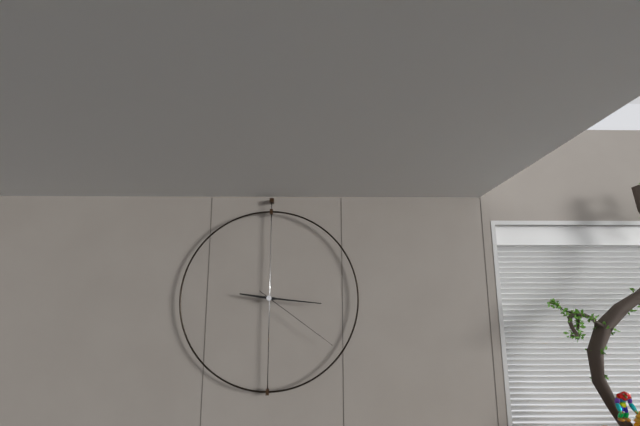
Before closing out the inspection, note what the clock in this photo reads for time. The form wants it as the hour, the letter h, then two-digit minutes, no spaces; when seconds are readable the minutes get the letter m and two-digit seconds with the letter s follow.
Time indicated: 9h16m21s
